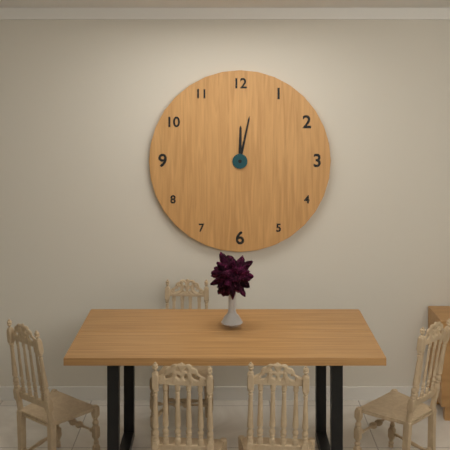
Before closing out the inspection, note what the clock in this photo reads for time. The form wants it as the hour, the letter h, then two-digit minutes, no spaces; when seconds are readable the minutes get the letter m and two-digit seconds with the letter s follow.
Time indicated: 12h02
